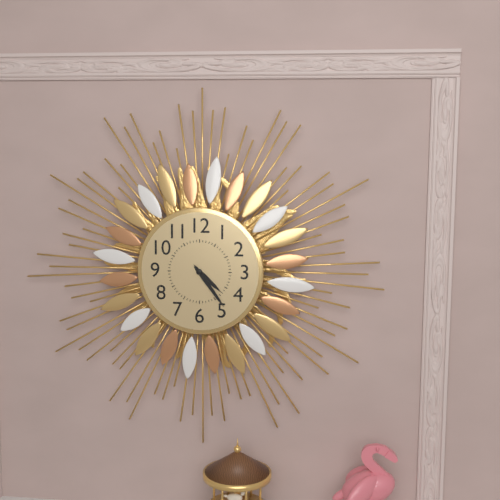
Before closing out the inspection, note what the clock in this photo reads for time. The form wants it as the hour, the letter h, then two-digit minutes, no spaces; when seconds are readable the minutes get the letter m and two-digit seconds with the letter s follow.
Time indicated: 4h24
